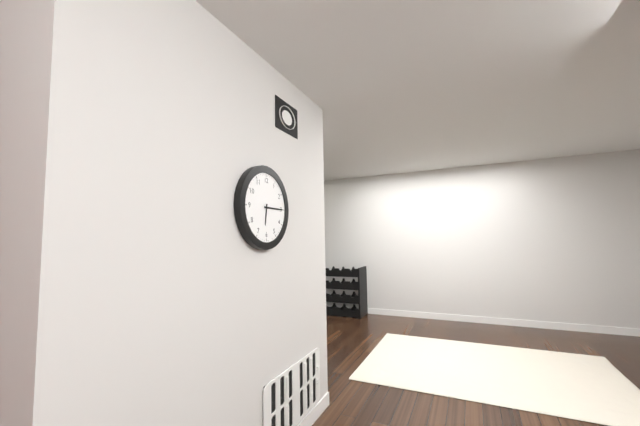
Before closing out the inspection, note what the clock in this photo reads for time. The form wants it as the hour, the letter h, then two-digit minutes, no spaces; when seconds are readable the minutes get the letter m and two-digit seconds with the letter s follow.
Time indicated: 6h15
